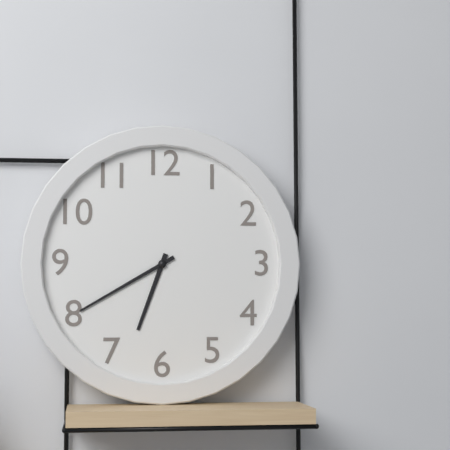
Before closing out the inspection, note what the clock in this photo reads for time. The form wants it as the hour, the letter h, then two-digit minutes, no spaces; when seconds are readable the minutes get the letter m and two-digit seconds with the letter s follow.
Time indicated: 6h40
